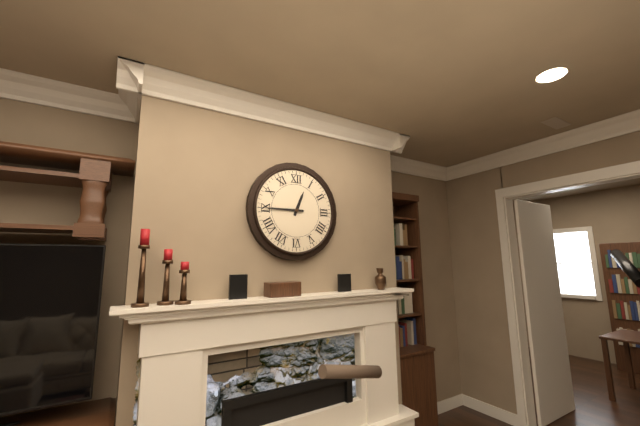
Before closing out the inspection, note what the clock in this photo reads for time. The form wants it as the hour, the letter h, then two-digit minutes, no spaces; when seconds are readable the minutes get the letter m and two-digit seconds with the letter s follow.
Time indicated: 12h45
